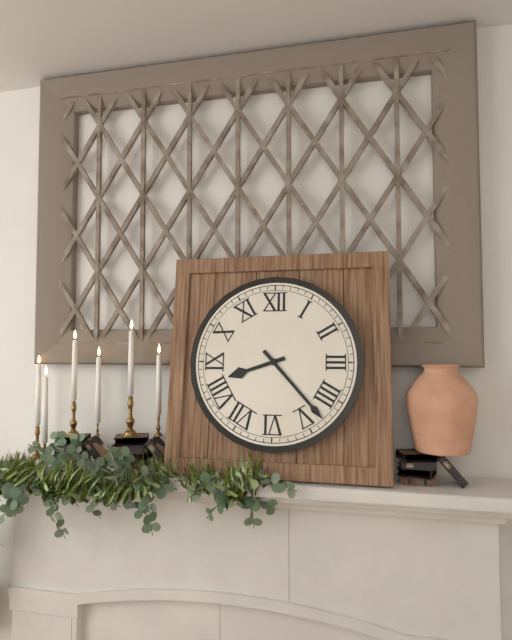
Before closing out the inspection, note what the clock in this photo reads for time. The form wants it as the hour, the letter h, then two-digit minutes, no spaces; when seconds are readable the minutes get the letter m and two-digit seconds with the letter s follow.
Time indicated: 8h23
